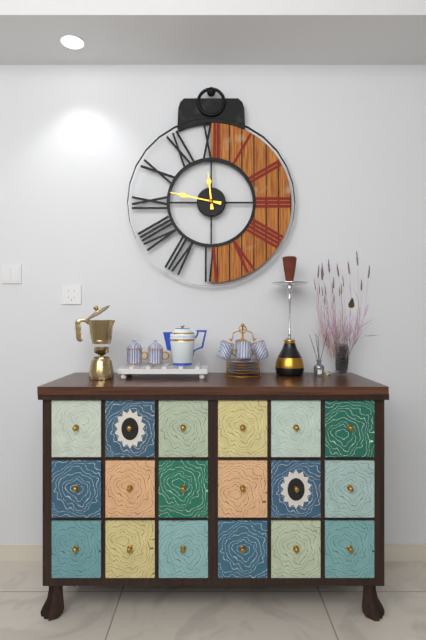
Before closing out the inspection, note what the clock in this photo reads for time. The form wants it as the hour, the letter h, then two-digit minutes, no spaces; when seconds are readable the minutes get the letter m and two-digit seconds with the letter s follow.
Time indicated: 11h47
